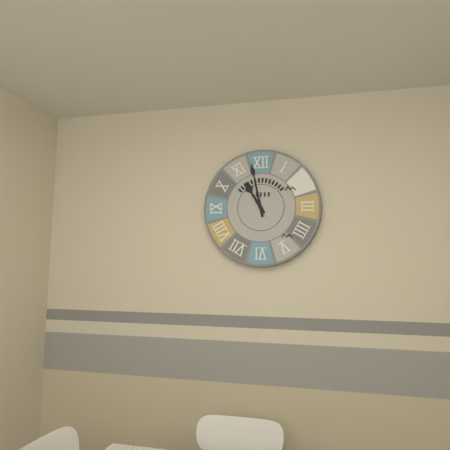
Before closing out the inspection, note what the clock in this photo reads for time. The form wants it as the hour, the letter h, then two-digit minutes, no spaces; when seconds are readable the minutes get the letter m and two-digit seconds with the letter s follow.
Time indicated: 10h58
